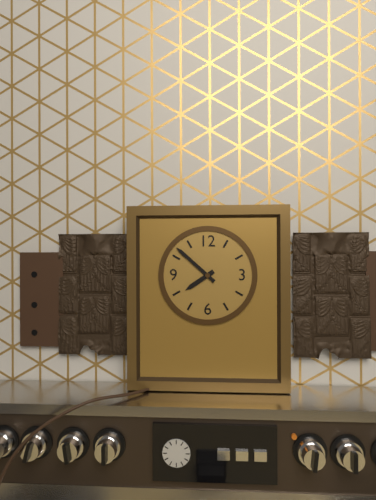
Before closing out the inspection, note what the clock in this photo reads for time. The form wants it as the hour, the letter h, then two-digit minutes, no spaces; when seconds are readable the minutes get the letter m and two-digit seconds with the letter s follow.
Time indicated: 7h52
